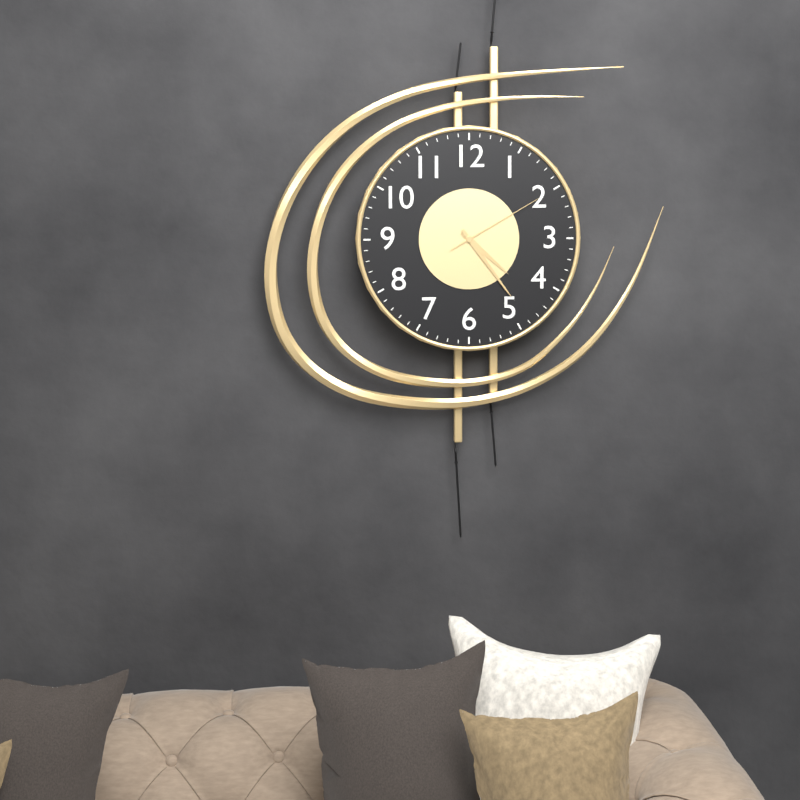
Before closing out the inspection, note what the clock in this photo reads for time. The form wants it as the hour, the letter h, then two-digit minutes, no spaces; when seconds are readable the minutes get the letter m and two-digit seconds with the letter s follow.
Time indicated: 4h24m10s
